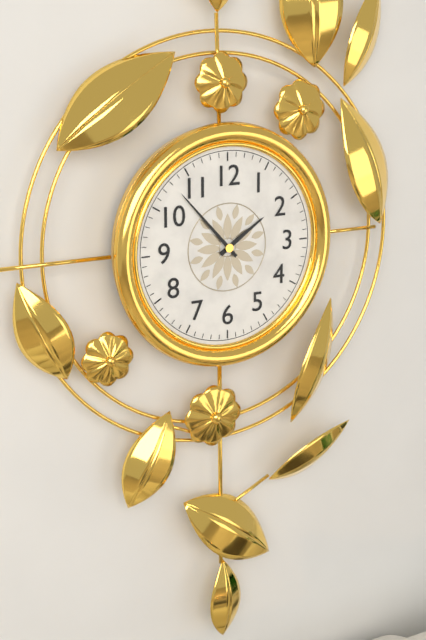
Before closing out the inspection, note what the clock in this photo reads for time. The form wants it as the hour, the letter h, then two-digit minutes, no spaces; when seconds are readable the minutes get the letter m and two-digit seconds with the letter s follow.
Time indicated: 1h53
